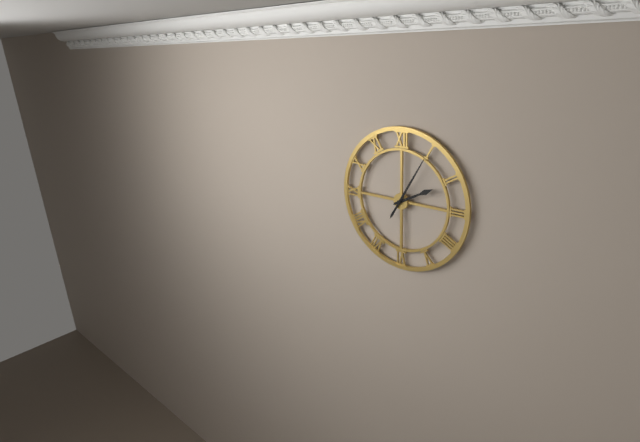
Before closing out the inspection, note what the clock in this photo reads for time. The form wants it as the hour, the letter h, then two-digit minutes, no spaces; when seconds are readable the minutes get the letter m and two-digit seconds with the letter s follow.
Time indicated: 2h05
